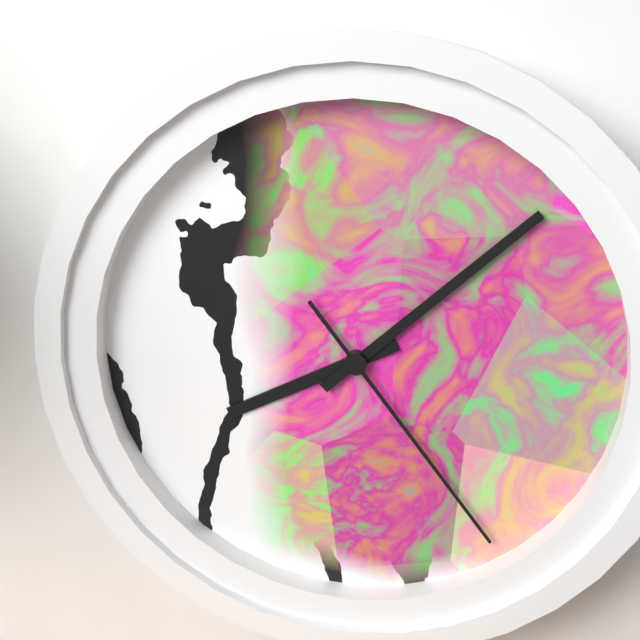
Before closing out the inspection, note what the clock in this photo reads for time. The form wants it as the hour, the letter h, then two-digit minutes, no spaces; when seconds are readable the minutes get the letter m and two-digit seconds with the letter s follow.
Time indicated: 8h08m24s
